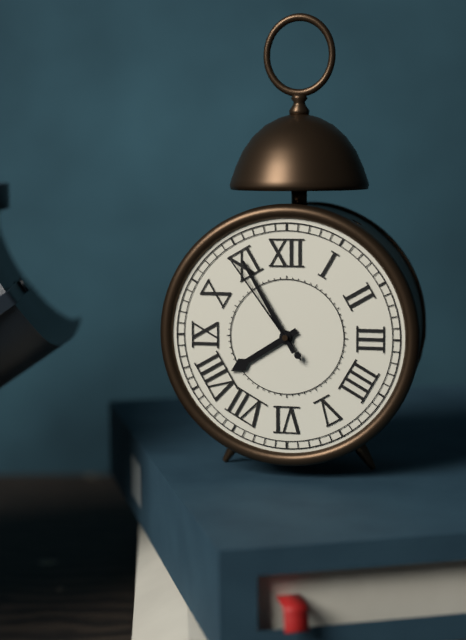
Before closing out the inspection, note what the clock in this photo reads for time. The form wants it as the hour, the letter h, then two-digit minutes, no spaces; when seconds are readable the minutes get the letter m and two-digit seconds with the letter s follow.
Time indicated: 7h55m54s
